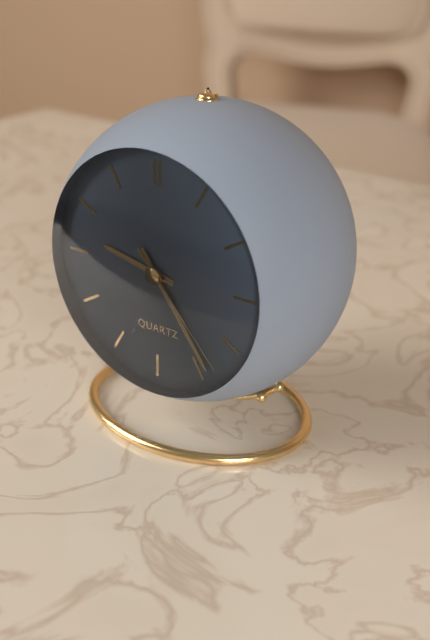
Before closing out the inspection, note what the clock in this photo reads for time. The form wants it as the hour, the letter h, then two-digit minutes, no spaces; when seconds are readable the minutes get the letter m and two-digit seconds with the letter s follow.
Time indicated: 9h24m23s
